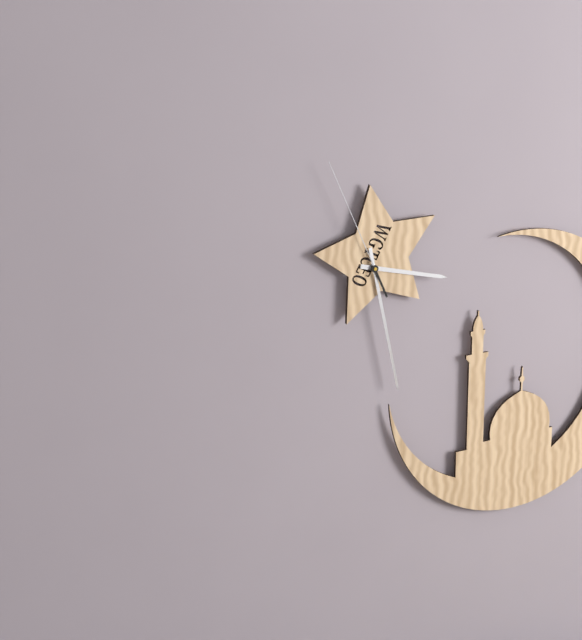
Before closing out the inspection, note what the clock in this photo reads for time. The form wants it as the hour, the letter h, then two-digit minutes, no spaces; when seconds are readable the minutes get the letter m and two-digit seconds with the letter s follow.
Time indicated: 3h28m56s
